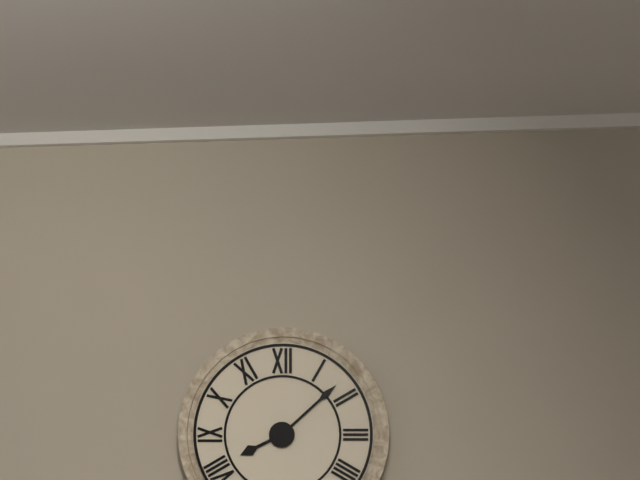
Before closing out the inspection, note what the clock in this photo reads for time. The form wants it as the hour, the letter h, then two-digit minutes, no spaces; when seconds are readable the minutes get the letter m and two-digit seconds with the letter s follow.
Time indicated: 8h08
